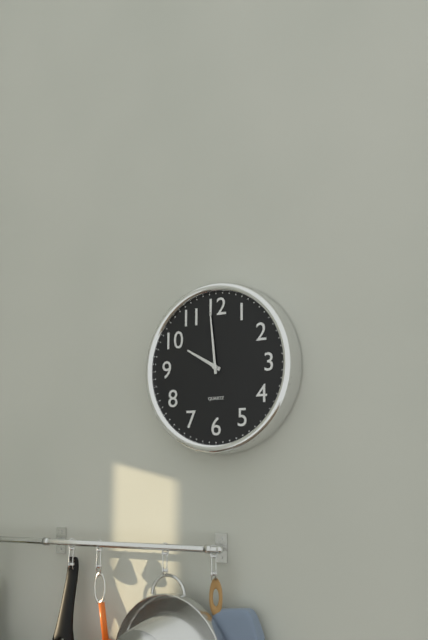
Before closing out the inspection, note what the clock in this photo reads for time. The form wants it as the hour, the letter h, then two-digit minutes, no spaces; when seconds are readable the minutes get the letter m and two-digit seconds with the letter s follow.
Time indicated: 9h59
